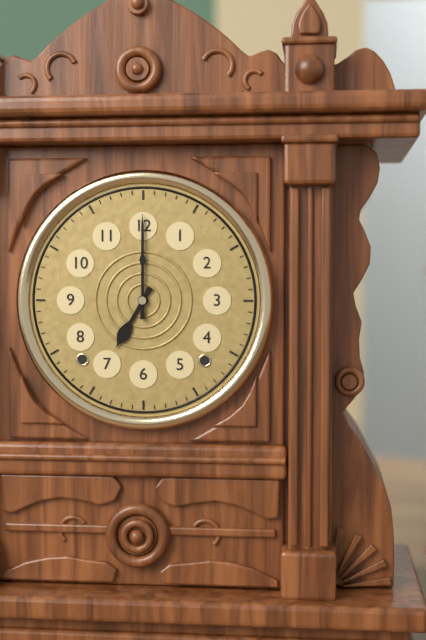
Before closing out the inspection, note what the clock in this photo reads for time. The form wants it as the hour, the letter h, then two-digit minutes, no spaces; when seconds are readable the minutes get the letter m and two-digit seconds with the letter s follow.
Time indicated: 7h00
